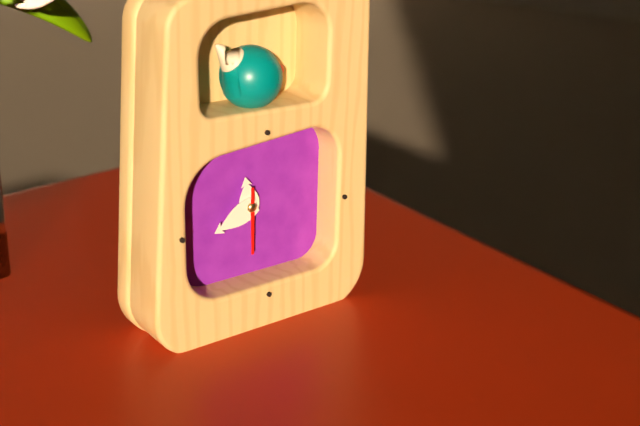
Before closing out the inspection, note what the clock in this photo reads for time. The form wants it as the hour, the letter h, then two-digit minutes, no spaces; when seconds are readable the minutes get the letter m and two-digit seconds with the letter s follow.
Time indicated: 11h41m30s
